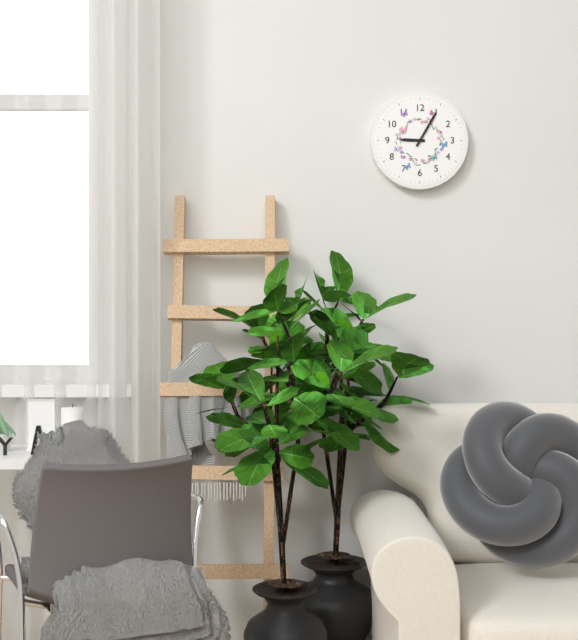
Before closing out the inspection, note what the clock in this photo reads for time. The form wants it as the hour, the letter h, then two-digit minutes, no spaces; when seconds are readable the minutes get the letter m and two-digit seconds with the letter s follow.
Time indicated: 9h05
